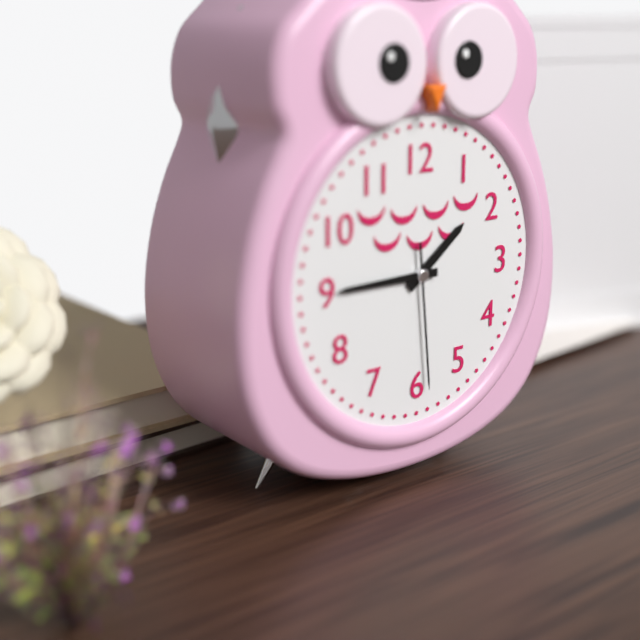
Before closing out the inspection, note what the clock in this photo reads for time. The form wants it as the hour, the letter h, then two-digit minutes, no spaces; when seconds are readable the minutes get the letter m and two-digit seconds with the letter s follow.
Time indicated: 1h45m29s
